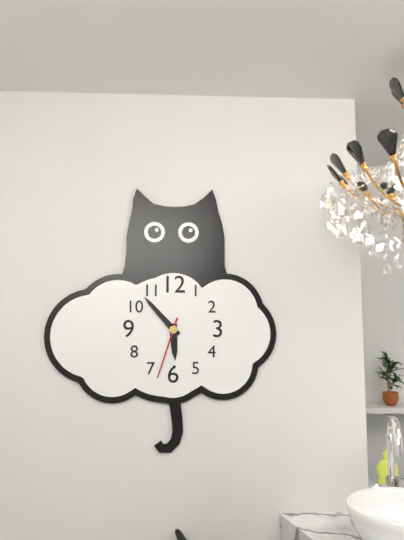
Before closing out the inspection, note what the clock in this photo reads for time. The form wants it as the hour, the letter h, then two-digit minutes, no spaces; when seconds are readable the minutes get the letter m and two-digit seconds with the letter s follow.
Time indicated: 5h53m33s
